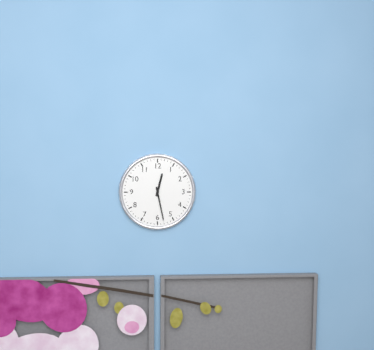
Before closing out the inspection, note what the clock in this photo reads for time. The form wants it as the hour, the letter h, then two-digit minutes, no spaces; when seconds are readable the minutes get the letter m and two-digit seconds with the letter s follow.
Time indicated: 12h28
